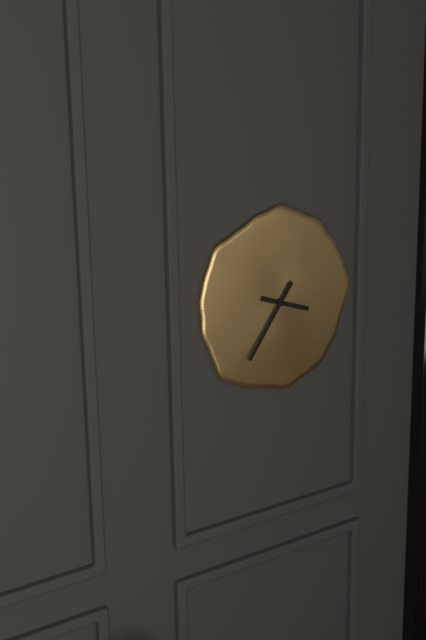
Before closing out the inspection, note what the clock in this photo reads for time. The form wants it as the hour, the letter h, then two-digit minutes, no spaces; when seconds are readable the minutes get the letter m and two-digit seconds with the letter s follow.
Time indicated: 3h36
